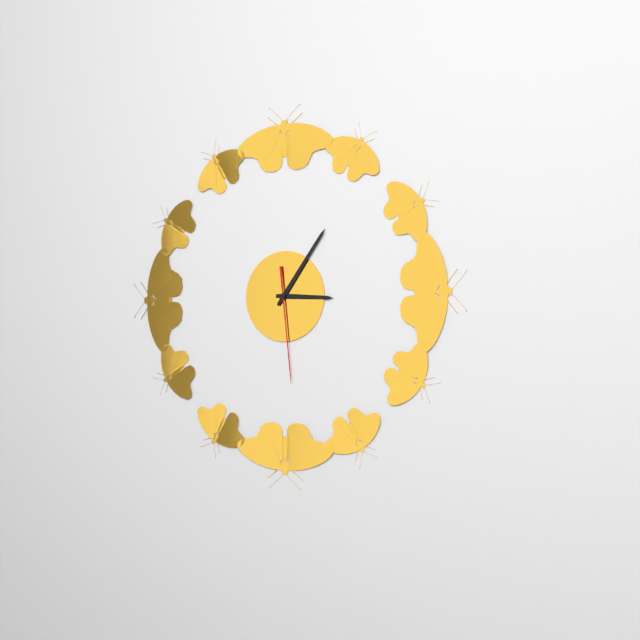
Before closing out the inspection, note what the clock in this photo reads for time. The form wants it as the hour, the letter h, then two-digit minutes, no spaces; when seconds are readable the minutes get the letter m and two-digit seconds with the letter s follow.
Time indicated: 3h06m29s
